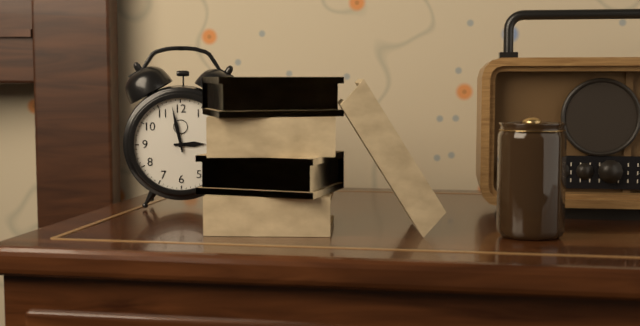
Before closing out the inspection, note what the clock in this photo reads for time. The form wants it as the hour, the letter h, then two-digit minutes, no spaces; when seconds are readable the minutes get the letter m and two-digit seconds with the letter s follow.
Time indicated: 2h58
